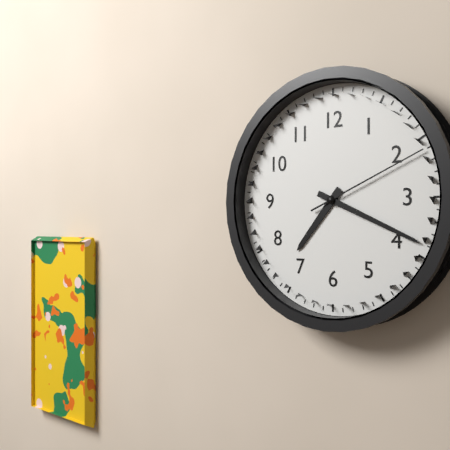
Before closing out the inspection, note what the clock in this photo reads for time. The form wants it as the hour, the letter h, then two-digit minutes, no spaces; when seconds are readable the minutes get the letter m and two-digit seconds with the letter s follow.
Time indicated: 7h19m11s
